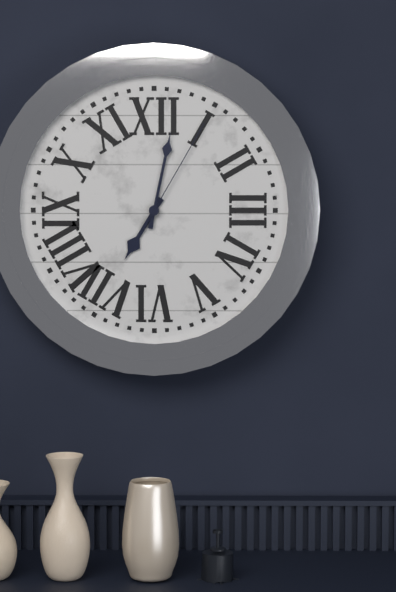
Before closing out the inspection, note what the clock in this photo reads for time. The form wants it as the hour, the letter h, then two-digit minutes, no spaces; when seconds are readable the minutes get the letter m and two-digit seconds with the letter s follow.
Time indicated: 7h02m05s
